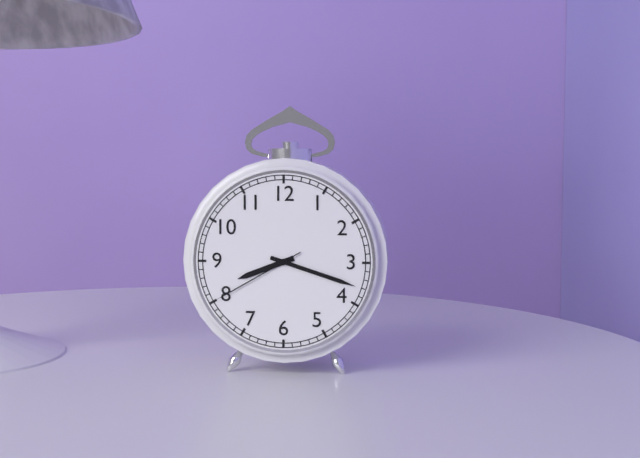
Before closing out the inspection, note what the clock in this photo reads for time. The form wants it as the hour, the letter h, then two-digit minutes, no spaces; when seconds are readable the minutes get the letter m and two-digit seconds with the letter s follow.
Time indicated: 8h18m40s
